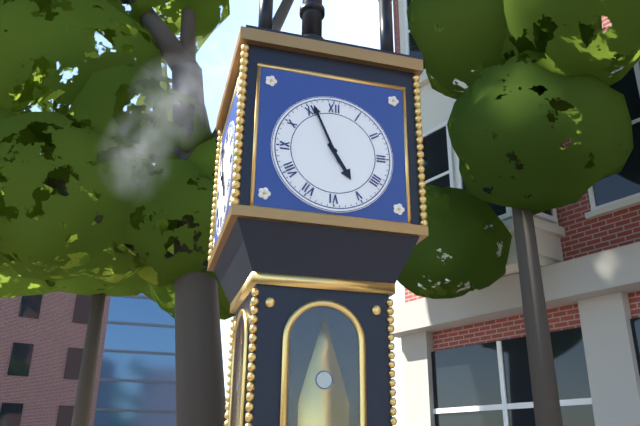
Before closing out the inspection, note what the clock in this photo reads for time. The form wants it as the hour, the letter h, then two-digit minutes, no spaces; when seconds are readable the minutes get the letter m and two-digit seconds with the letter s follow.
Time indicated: 4h56
